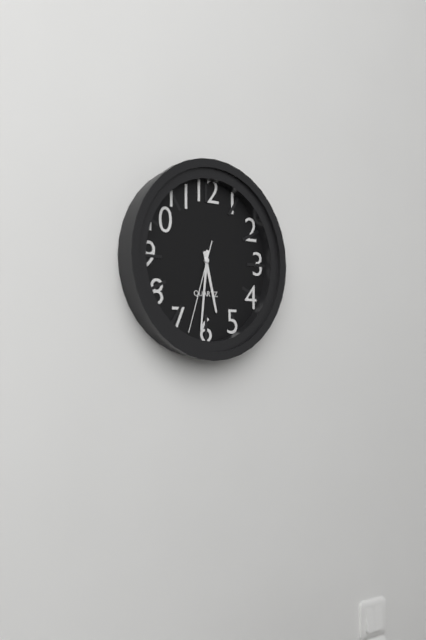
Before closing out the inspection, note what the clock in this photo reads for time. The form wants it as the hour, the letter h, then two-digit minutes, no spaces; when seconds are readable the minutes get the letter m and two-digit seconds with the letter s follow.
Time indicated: 5h31m33s
